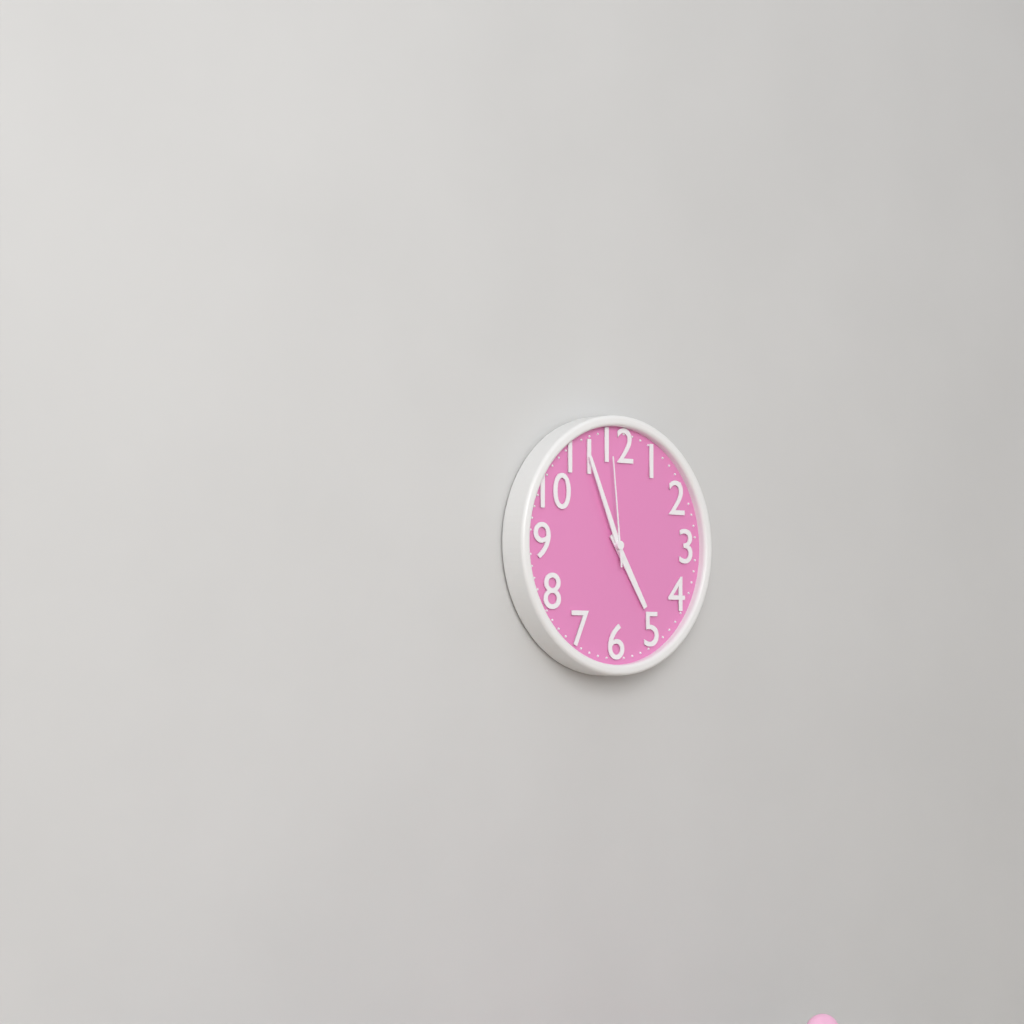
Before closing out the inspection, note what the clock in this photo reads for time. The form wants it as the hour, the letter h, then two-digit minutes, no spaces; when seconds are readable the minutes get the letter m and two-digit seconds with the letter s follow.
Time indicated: 4h56m59s
